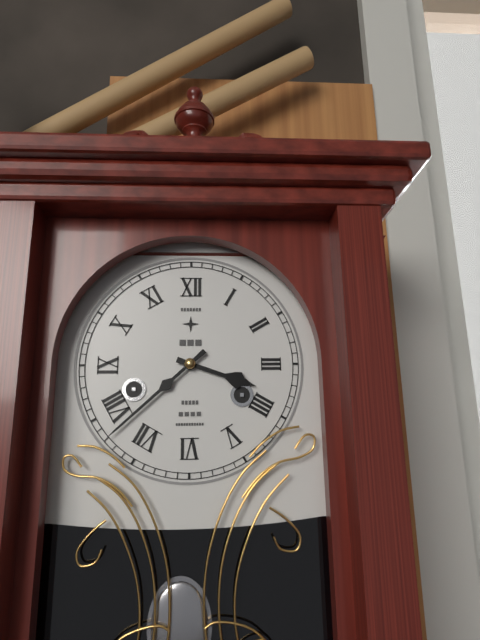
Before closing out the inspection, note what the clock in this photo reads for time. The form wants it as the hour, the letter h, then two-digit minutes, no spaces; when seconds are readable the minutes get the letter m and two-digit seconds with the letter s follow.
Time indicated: 3h38
